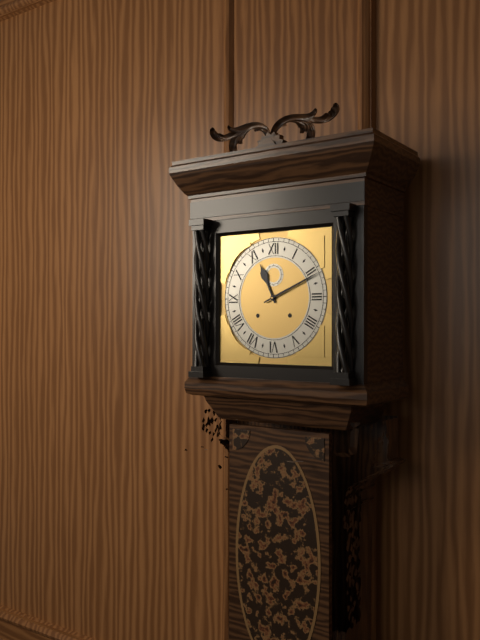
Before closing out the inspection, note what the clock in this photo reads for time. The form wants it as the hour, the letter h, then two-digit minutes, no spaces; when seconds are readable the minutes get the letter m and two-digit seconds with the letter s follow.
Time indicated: 11h11
